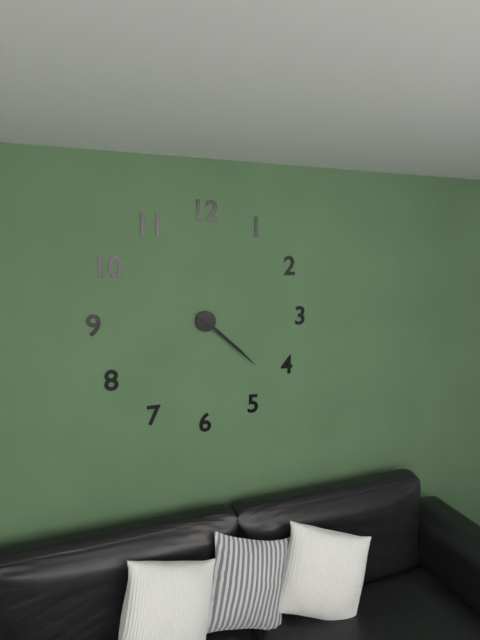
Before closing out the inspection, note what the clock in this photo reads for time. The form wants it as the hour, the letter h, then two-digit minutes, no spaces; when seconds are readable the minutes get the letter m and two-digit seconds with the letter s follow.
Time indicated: 4h22
